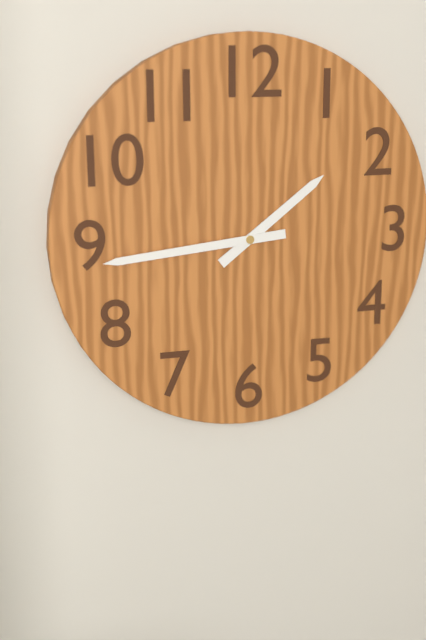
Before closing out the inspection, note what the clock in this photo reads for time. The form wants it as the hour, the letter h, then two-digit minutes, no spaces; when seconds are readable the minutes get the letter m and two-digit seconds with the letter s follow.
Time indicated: 1h44
